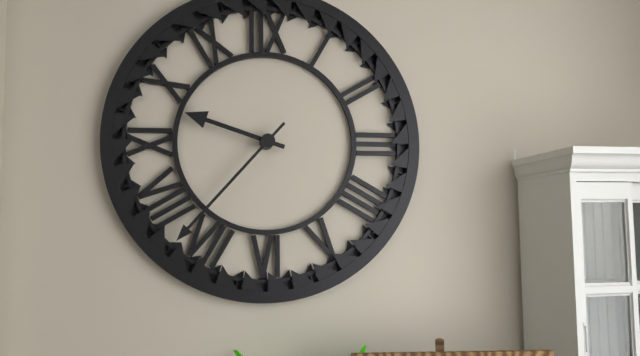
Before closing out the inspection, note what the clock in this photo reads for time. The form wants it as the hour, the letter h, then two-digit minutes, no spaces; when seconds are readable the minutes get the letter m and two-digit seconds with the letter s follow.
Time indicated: 9h37
